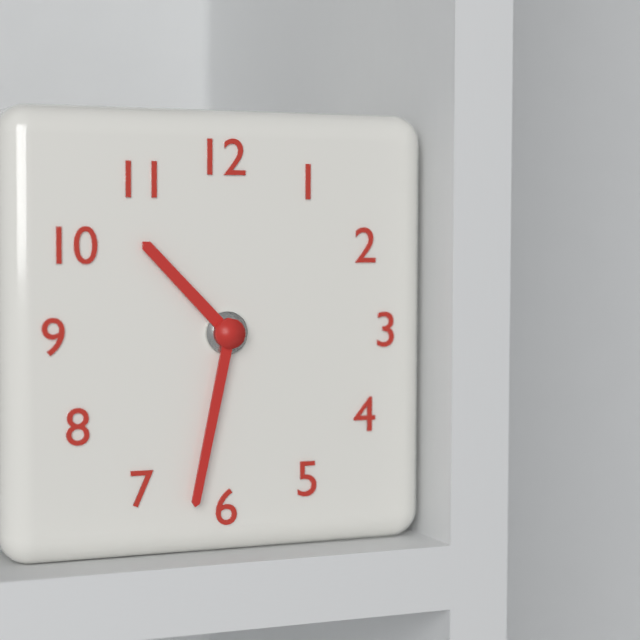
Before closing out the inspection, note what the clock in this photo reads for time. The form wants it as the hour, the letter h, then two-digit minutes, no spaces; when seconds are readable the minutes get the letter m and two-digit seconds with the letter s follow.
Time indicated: 10h32
